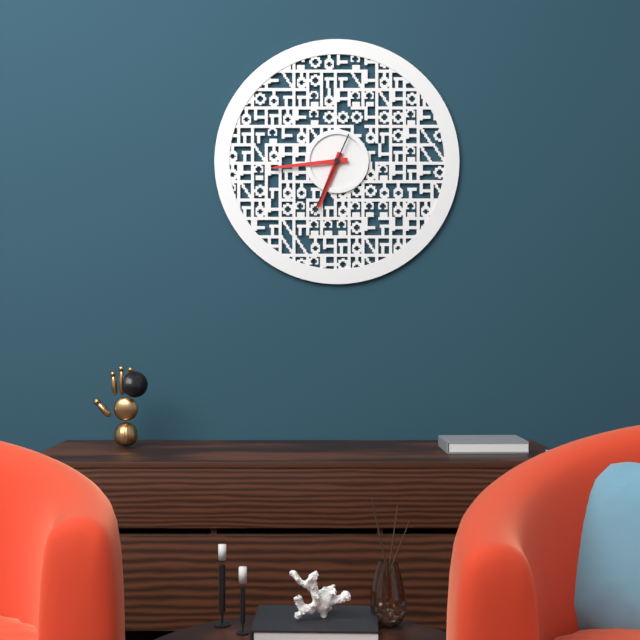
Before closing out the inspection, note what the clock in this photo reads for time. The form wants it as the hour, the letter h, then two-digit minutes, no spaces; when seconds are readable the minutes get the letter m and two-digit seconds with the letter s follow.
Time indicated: 6h44m34s
